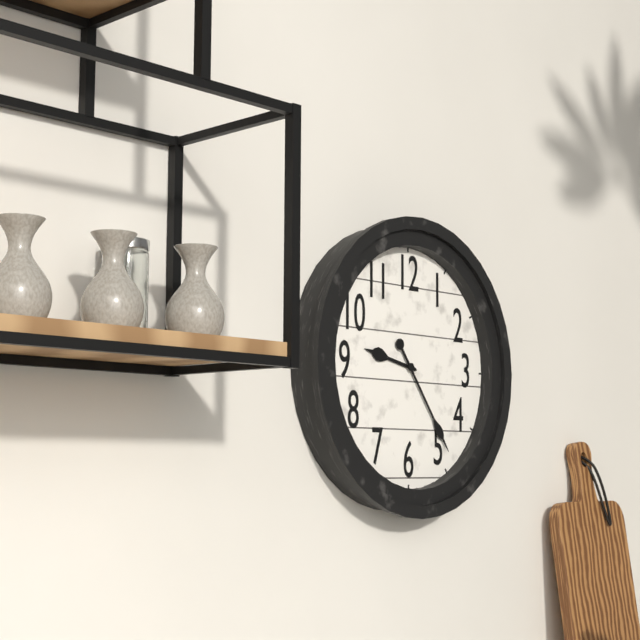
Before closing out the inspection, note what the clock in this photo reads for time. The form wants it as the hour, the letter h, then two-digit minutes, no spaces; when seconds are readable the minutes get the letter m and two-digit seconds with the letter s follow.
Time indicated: 9h24
